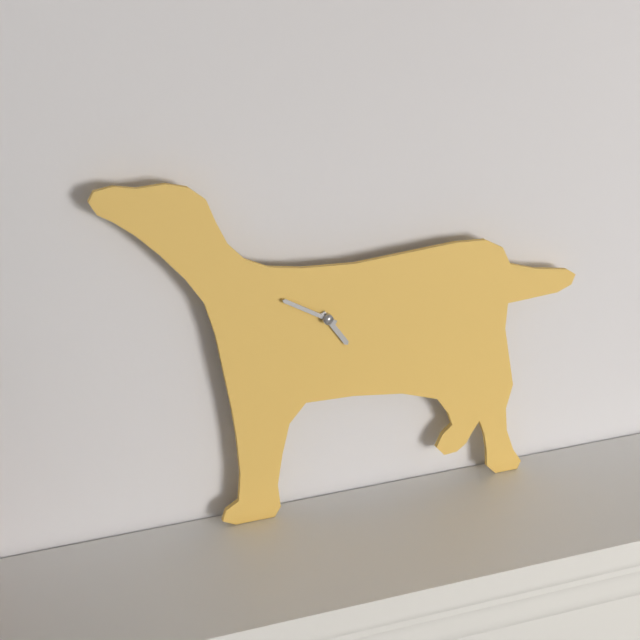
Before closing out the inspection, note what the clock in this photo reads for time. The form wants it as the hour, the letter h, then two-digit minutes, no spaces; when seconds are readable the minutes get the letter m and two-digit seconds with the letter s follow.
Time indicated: 4h50
